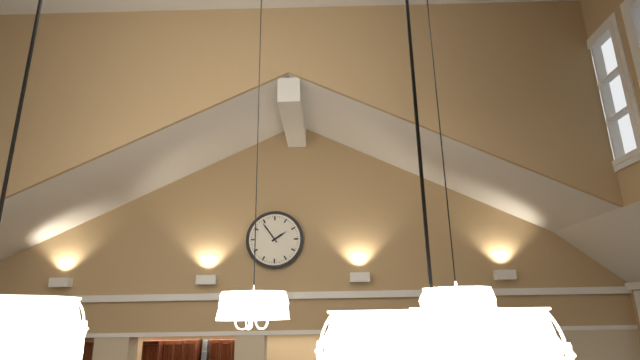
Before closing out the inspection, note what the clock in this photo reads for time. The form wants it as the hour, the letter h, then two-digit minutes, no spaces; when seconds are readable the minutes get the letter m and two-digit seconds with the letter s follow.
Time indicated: 1h54
